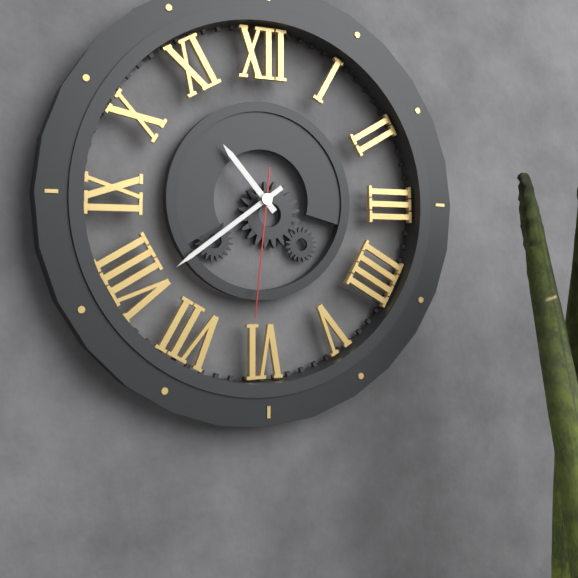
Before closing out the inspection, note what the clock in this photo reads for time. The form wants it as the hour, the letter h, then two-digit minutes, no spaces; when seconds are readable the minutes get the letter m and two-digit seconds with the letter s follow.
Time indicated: 10h39m31s
